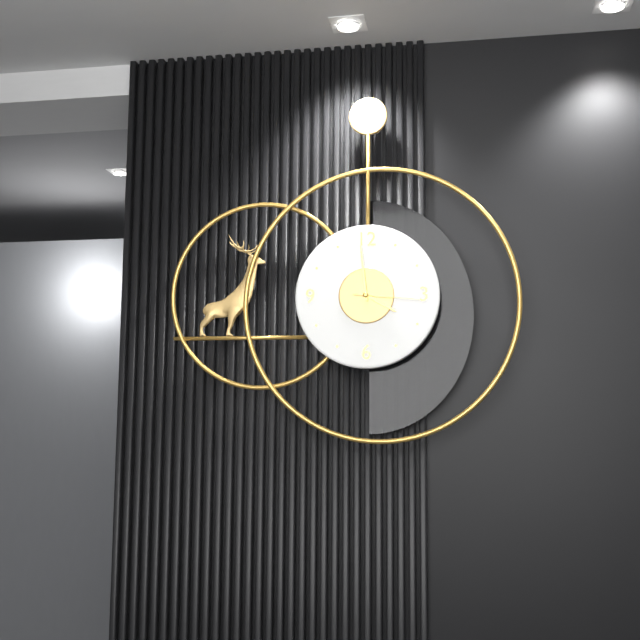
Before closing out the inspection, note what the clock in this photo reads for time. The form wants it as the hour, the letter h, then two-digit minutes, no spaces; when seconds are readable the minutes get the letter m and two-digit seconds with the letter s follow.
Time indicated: 3h59m16s
